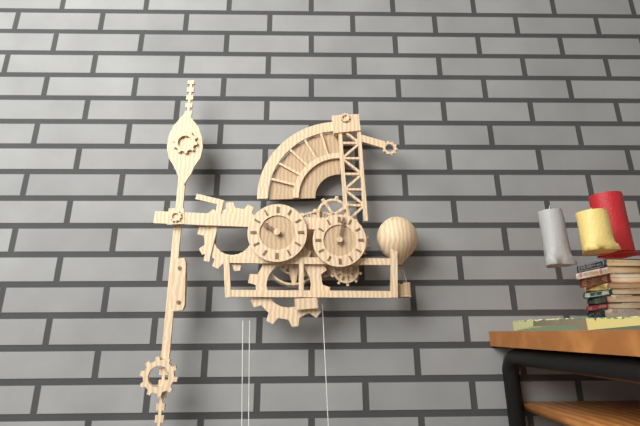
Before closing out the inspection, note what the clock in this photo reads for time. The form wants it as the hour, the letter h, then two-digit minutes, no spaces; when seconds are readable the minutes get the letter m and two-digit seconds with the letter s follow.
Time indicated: 10h02
